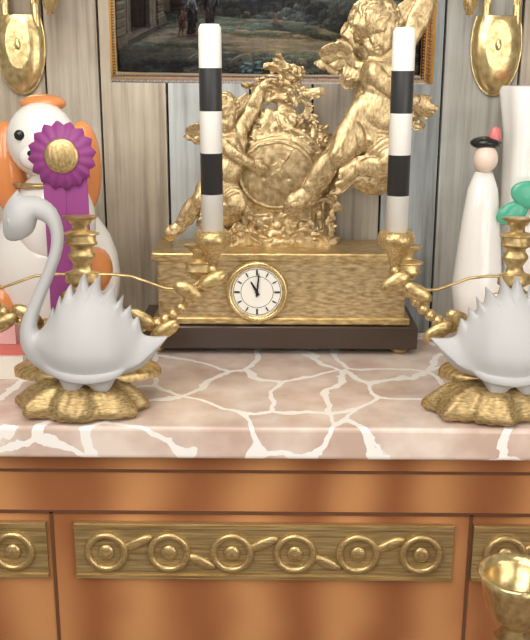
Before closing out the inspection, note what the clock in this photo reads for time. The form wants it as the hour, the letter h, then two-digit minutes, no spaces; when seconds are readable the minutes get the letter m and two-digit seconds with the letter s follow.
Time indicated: 11h01
